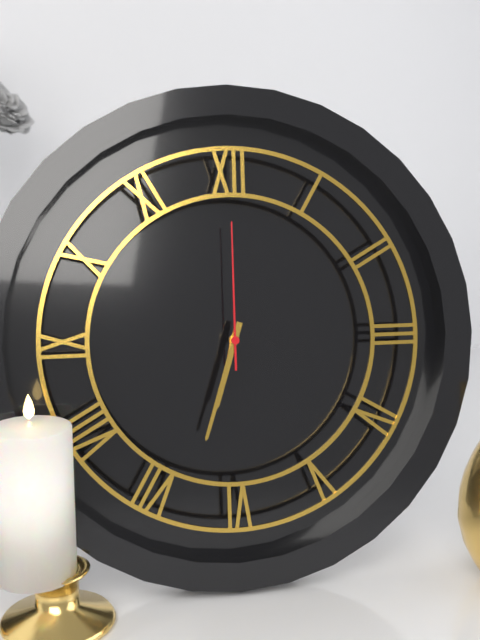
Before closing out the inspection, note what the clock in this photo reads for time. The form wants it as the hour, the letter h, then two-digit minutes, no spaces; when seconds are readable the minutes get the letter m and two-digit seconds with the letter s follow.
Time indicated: 6h33m00s
